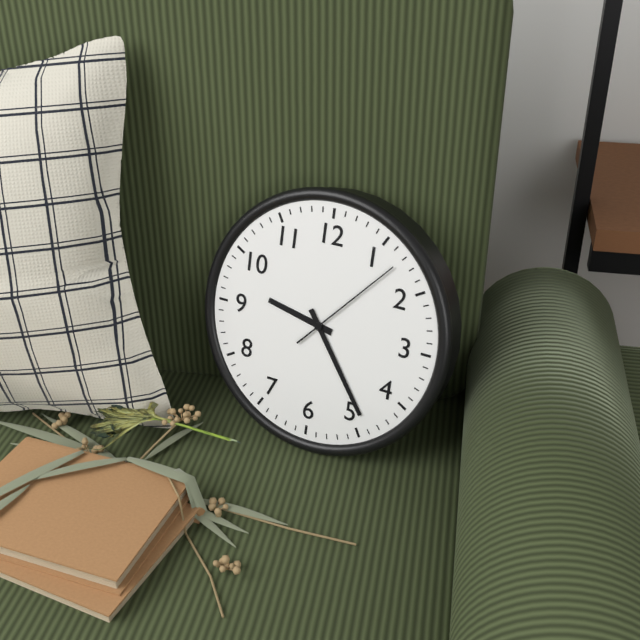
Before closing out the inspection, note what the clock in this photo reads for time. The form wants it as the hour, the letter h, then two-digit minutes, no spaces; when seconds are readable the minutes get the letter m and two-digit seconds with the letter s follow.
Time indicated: 9h24m07s
